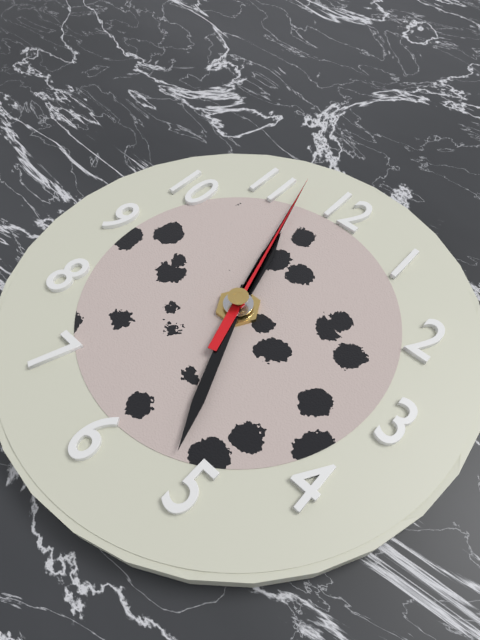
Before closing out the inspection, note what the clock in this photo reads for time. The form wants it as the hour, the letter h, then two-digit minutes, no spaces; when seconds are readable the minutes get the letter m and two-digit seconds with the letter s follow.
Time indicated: 11h26m57s
